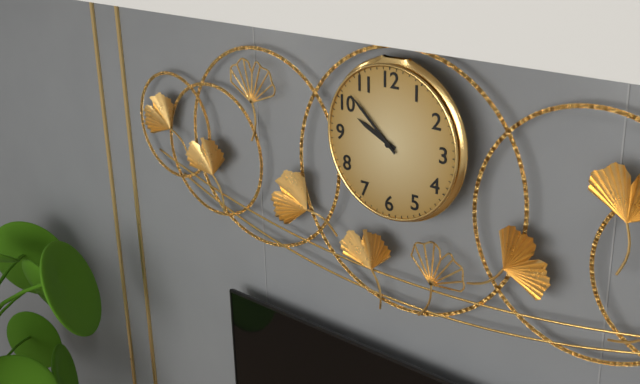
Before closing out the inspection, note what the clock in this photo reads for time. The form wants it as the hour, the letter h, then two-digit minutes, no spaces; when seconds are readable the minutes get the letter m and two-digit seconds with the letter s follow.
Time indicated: 9h52
